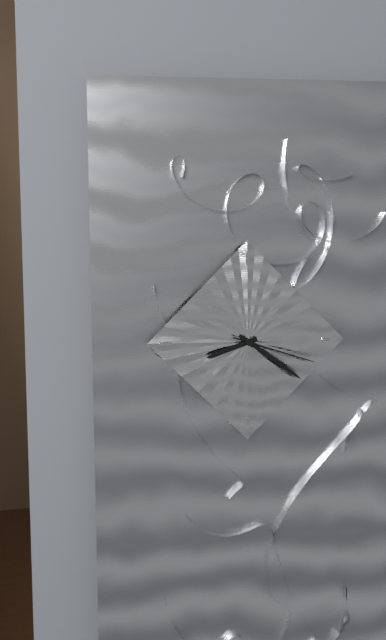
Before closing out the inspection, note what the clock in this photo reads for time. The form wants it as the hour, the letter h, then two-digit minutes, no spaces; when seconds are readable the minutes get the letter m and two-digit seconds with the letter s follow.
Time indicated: 8h21m18s
